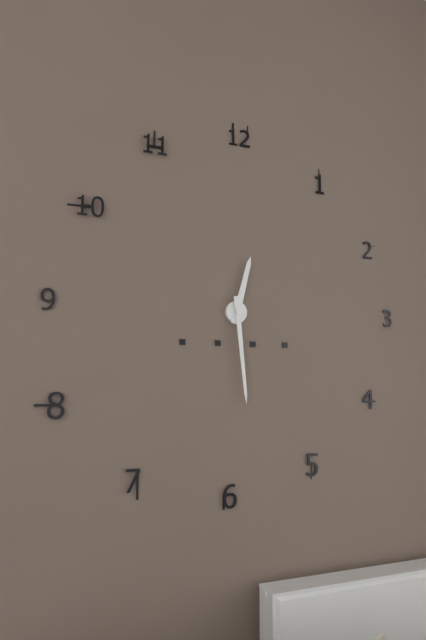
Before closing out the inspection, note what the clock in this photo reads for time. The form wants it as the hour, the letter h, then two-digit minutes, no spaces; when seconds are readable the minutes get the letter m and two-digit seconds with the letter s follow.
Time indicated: 12h29
